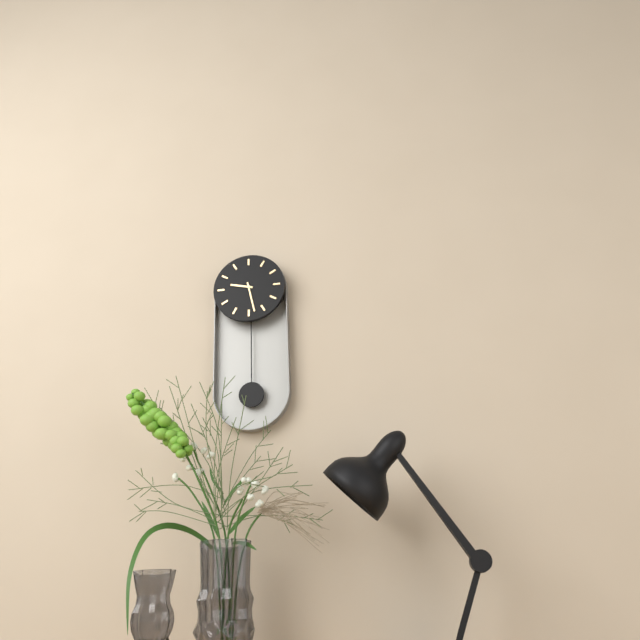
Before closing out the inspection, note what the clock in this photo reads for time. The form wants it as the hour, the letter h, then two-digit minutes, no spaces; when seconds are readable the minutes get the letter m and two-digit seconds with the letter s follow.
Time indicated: 9h28
